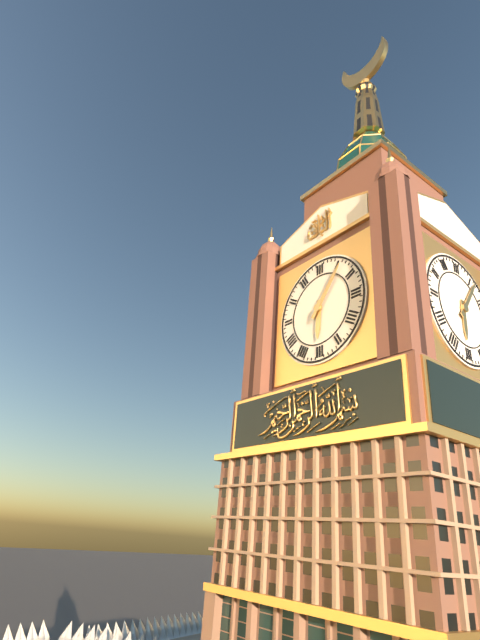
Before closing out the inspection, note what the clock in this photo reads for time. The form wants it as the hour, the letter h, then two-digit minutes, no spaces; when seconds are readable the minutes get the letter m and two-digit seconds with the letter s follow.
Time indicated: 6h06
